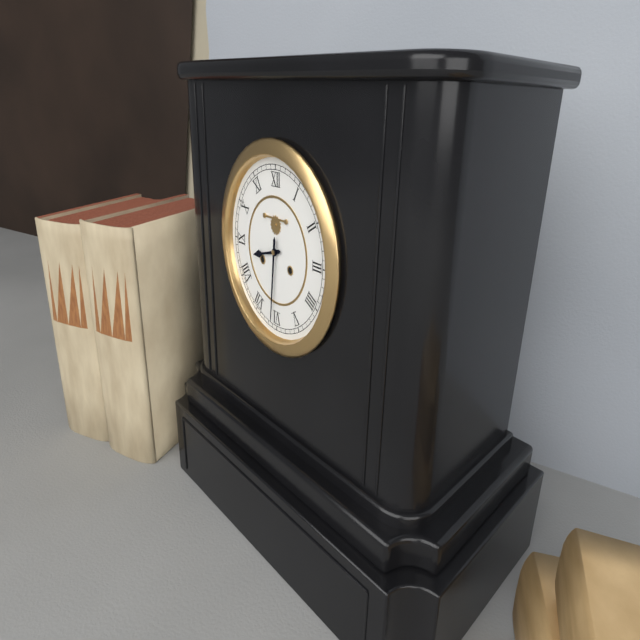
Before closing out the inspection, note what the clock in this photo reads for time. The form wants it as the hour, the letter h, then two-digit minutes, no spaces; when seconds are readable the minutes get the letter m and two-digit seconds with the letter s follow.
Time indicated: 8h31
